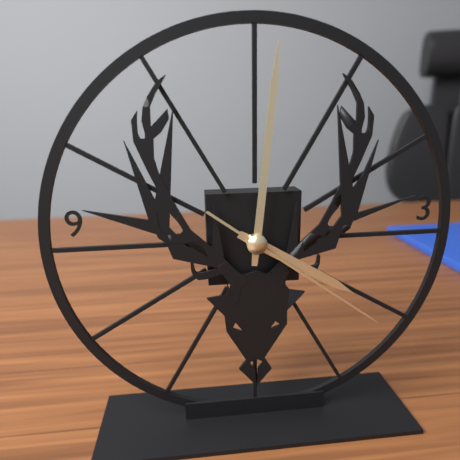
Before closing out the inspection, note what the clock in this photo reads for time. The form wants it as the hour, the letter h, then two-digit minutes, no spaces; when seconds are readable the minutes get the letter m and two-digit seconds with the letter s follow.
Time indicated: 4h01m21s
